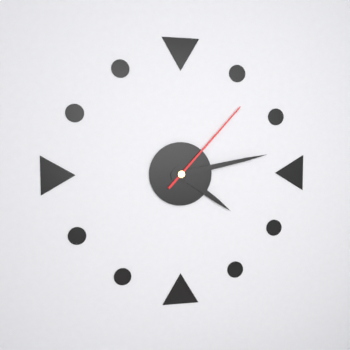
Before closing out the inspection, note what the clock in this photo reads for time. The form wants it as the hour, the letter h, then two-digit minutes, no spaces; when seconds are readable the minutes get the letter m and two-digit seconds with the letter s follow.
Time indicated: 4h13m07s
